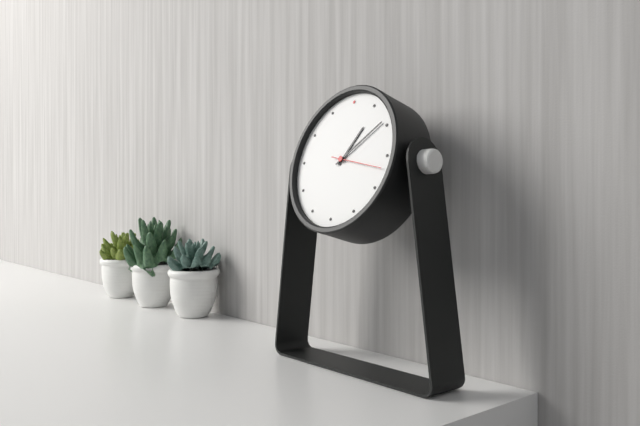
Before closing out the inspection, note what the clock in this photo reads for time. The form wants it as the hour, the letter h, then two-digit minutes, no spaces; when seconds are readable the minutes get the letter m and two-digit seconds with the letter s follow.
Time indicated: 1h09m17s
